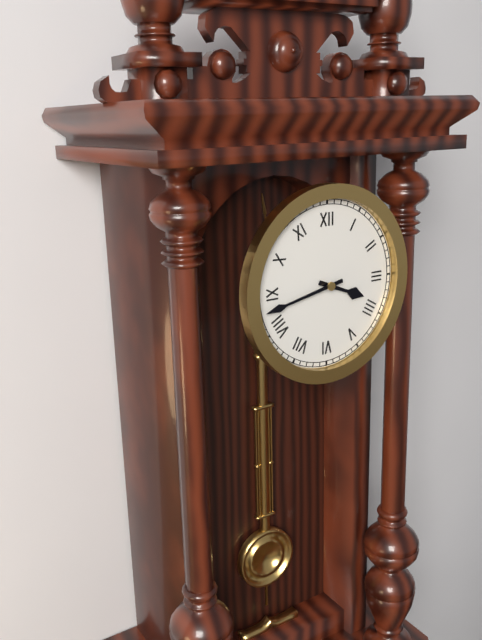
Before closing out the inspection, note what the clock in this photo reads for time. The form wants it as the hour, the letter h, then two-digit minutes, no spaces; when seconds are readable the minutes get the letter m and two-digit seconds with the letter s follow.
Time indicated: 3h43
